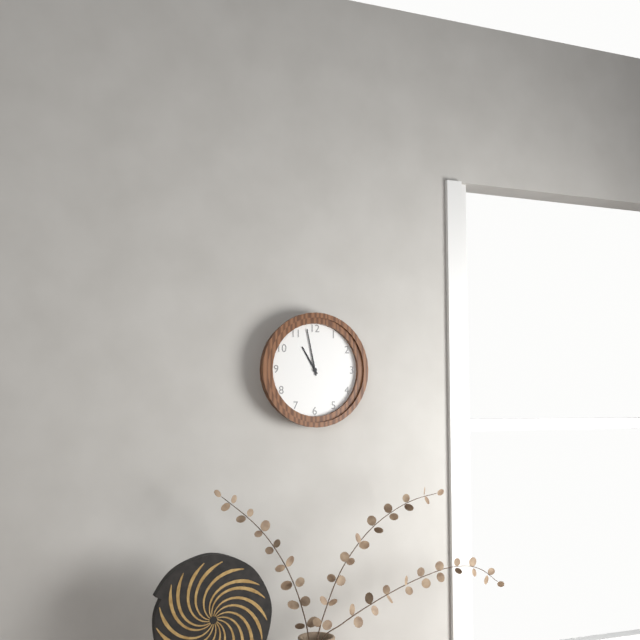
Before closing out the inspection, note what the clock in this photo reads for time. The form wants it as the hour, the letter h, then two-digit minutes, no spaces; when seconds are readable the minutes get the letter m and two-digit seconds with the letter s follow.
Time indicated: 10h58
